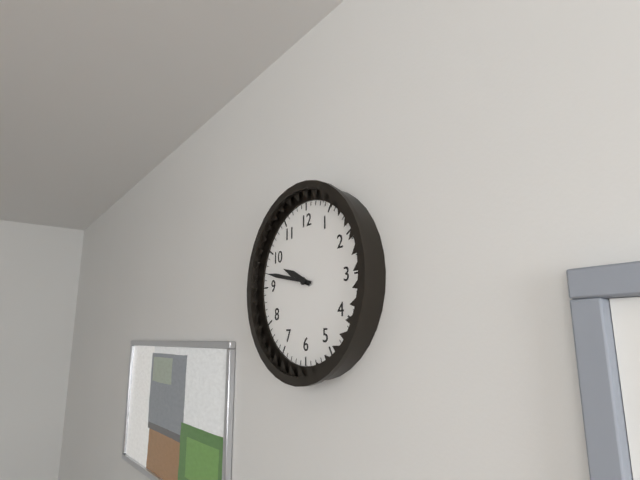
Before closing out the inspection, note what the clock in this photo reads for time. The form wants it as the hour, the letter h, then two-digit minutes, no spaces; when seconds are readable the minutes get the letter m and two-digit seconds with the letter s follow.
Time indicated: 9h47
